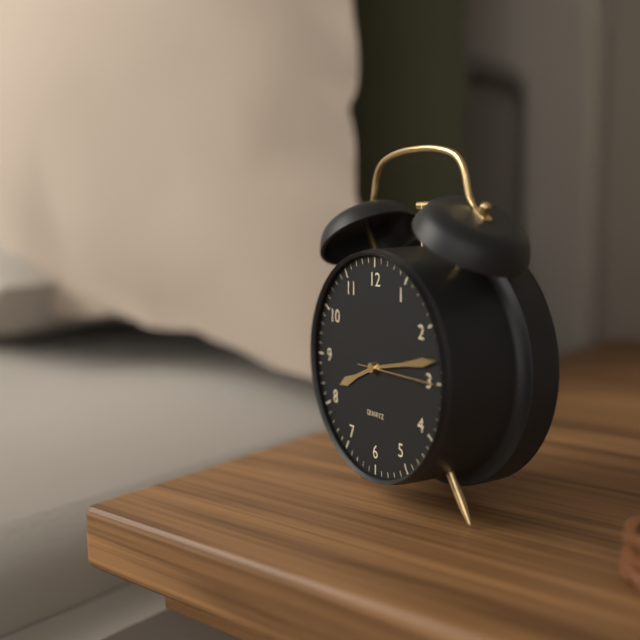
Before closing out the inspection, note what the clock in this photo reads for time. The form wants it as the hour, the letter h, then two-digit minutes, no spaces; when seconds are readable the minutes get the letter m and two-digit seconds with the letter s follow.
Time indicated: 8h13m15s
